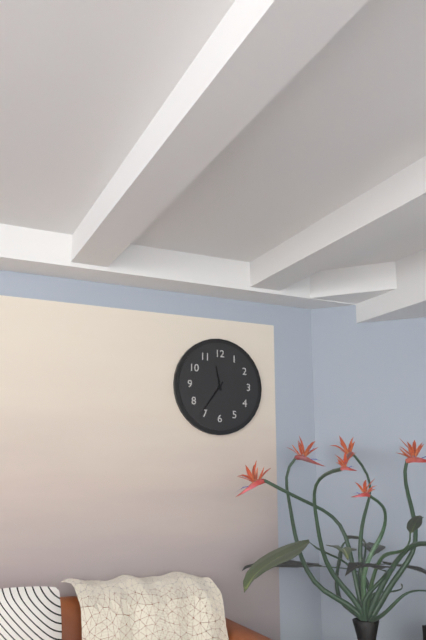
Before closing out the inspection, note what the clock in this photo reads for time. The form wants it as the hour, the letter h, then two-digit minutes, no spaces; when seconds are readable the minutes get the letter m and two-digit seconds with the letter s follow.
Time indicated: 11h36
